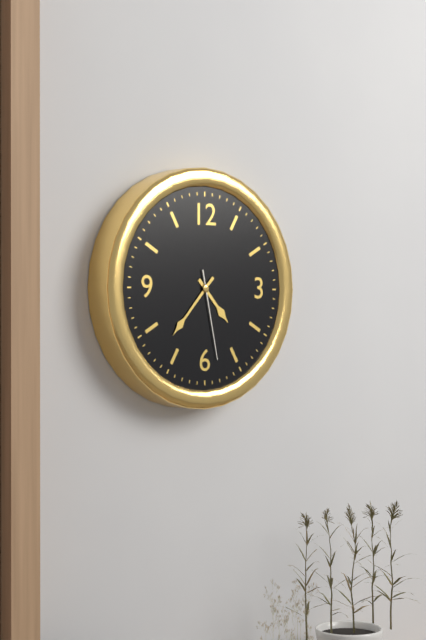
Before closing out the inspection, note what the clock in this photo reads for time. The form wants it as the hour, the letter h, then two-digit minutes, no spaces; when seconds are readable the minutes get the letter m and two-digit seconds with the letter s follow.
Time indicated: 4h37m28s
